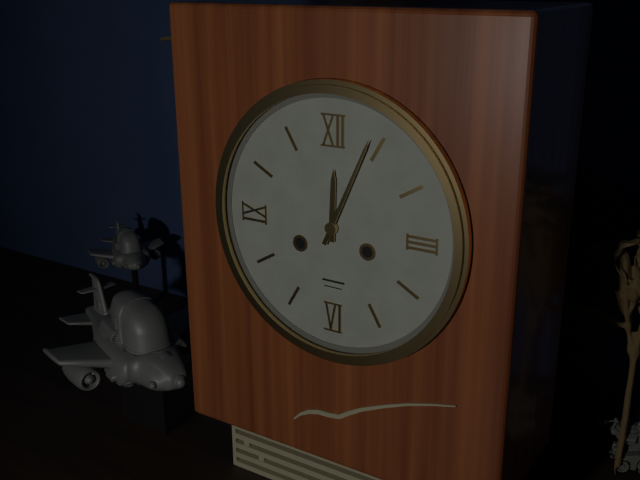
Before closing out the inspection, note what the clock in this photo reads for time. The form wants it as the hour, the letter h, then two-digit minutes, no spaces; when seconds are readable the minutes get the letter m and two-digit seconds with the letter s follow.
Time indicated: 12h04
